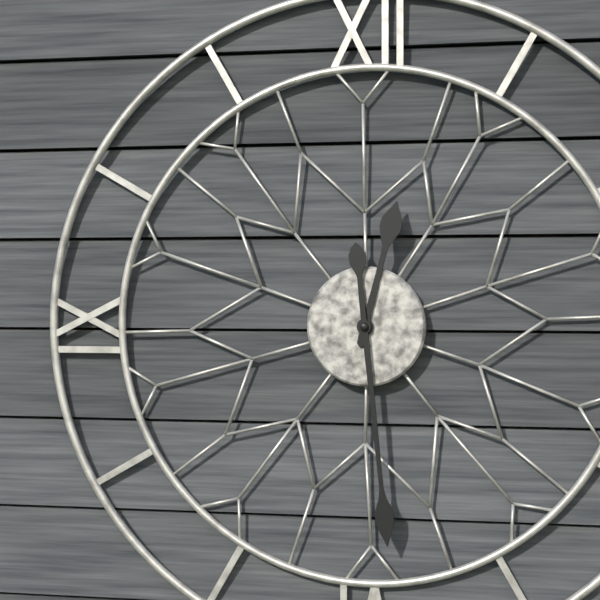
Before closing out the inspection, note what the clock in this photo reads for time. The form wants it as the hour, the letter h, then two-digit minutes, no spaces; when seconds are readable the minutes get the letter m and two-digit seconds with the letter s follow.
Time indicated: 12h29
